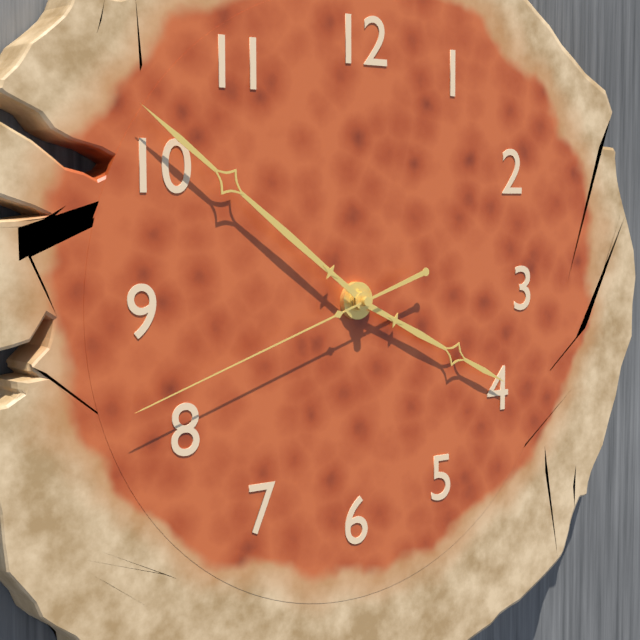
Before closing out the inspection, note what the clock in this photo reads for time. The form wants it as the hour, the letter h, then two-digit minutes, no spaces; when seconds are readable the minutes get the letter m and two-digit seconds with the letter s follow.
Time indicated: 3h51m42s
